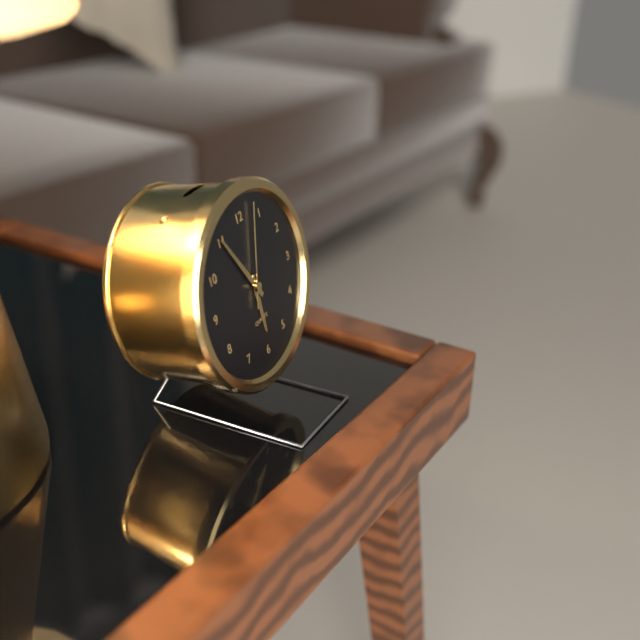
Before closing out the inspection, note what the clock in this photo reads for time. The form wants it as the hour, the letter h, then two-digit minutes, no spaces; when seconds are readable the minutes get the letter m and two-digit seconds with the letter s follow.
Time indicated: 5h55m03s
